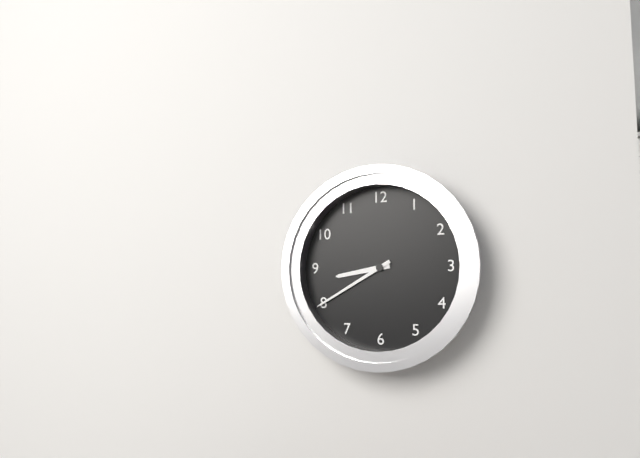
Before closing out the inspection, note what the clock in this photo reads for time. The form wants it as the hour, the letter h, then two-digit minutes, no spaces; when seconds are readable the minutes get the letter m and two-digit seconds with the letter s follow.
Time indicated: 8h40
